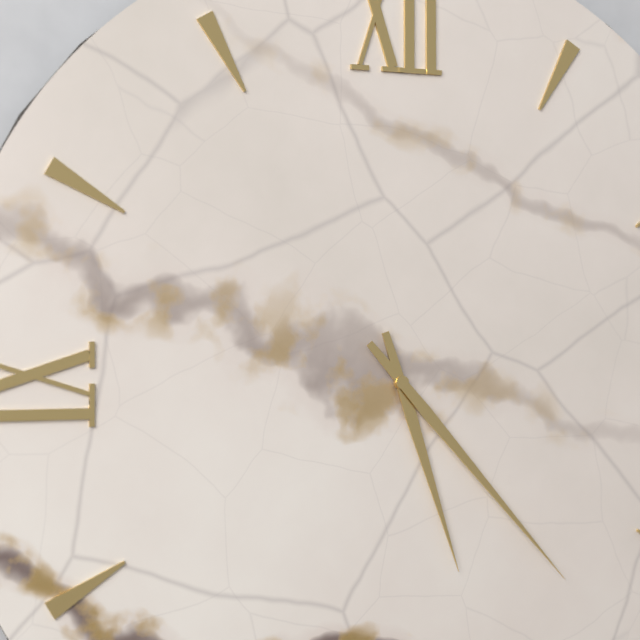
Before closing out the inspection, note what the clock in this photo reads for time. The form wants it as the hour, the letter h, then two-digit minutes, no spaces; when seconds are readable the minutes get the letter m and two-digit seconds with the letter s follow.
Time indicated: 5h23
